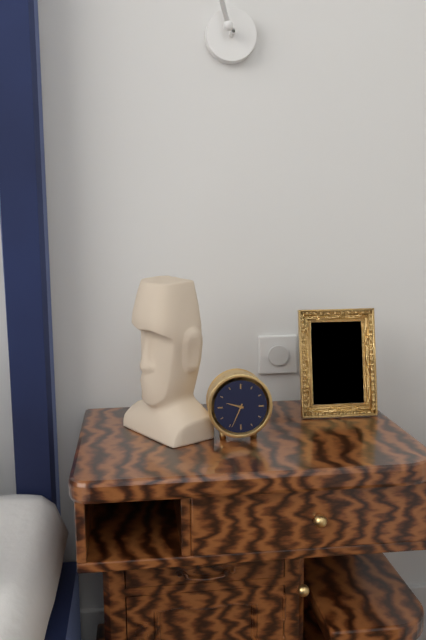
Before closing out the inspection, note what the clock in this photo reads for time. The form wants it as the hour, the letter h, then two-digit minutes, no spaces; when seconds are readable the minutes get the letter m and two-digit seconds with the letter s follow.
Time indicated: 9h34
